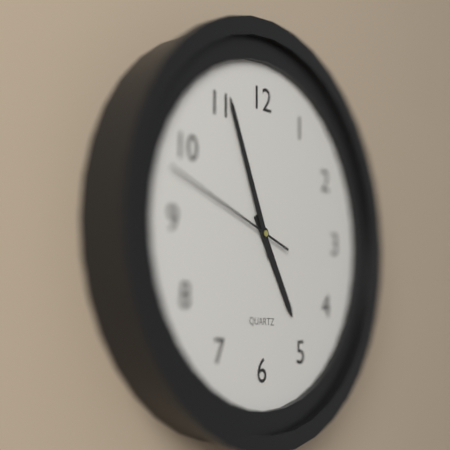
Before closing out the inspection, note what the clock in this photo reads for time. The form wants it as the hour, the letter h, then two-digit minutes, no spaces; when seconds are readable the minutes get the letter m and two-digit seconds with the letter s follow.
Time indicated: 4h56m48s
